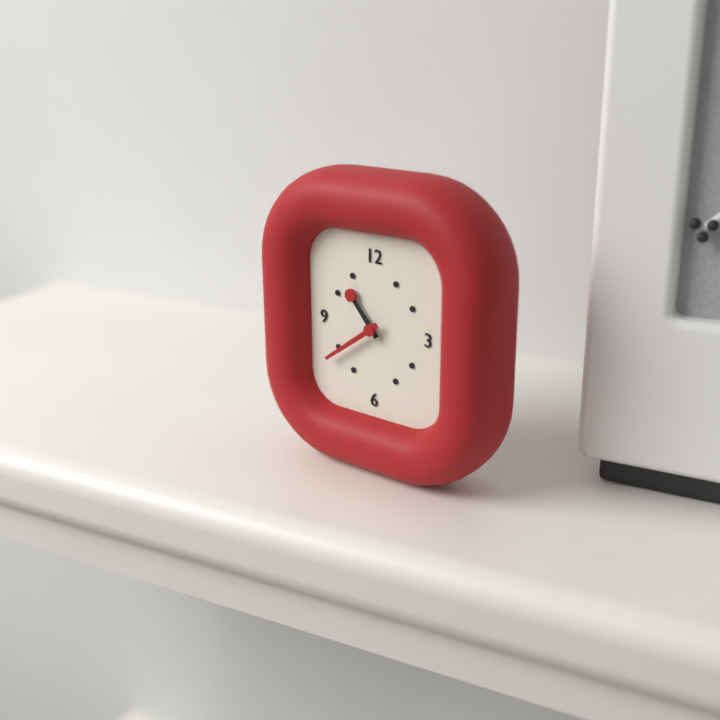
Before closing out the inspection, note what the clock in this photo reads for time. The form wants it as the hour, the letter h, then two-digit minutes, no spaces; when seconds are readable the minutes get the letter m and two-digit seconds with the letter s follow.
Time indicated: 10h39
